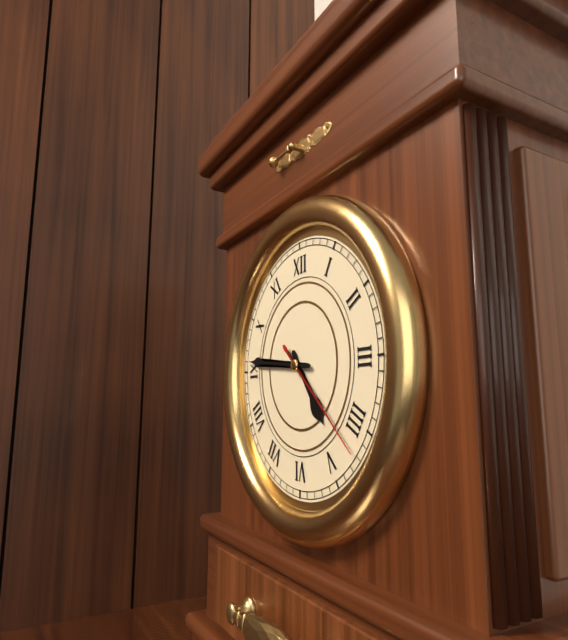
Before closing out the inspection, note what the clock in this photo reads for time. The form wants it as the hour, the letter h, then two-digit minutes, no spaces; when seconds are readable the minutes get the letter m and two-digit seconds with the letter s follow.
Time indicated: 4h46m22s
